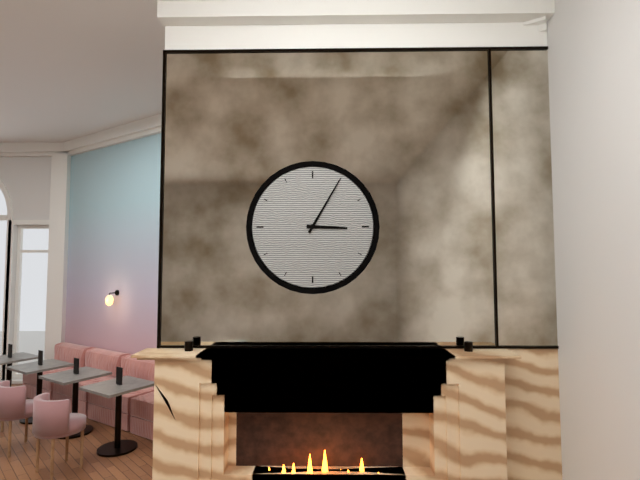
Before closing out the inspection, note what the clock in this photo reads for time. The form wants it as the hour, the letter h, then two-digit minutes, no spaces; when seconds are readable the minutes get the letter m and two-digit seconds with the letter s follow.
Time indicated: 3h05
